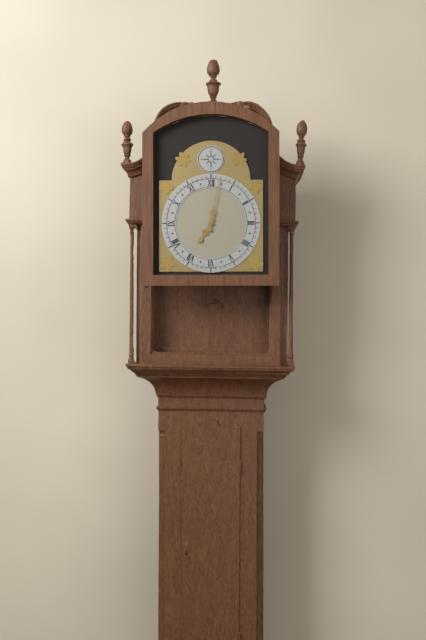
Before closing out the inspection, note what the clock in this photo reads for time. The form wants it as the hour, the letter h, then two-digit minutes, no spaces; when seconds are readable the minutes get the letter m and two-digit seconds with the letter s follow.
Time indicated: 7h02
